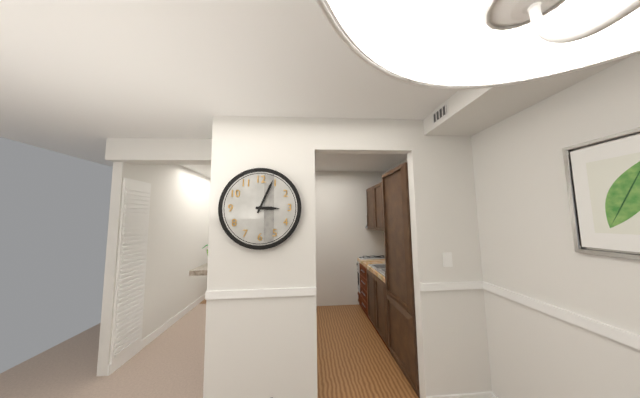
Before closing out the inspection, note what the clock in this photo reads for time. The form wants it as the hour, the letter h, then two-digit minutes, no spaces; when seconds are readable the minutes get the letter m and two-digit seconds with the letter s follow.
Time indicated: 3h04
